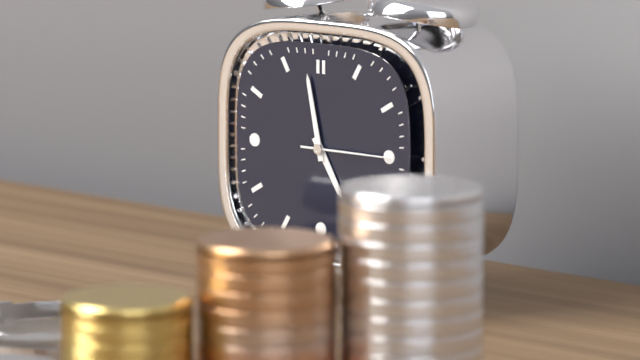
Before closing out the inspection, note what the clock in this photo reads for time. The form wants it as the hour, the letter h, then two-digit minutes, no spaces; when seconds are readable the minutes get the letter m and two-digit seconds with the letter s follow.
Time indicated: 4h58m15s
